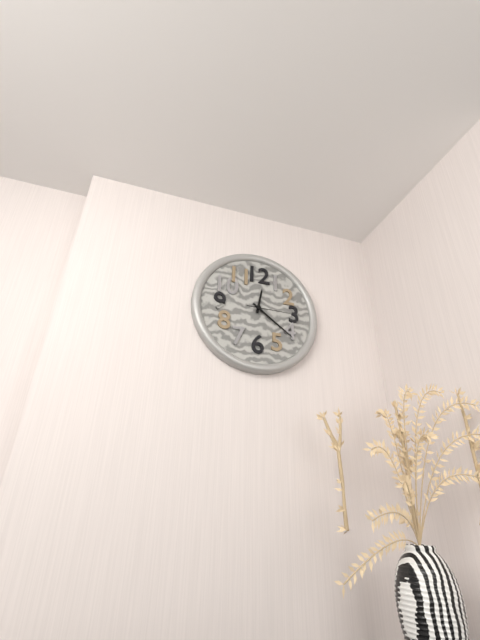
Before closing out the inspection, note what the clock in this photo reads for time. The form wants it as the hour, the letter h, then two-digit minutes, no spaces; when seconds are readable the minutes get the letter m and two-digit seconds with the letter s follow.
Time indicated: 12h21
